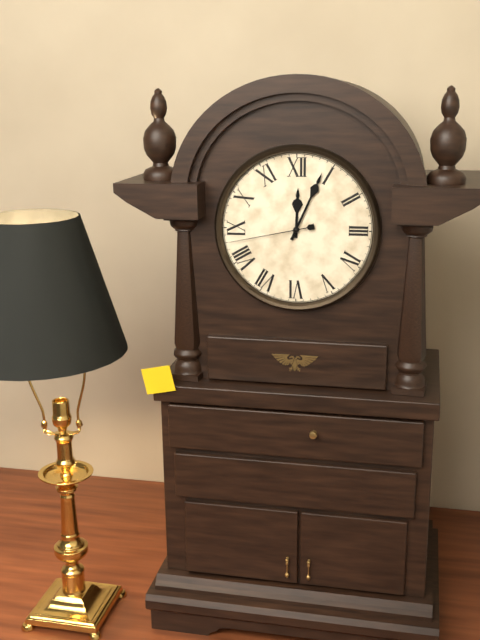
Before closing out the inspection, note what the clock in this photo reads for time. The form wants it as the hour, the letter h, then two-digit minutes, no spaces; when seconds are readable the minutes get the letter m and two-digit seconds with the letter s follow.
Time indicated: 12h04m43s
